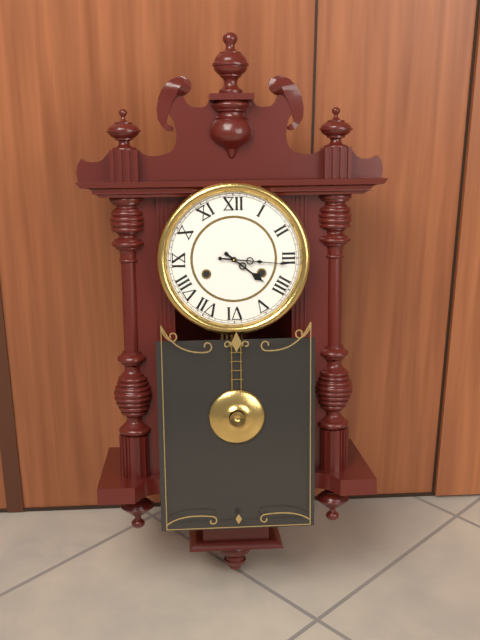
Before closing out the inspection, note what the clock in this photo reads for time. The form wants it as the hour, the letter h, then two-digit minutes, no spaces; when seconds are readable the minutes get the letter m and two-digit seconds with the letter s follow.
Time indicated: 4h16
